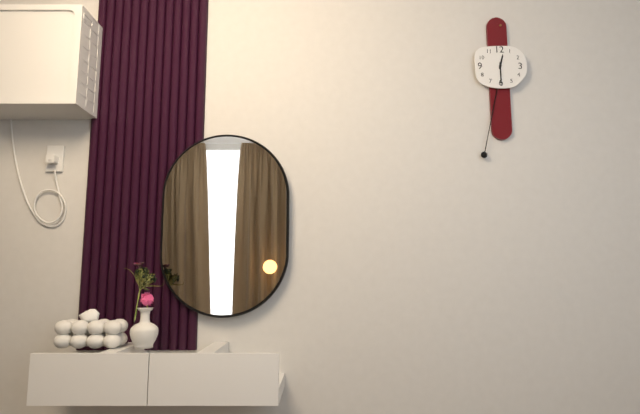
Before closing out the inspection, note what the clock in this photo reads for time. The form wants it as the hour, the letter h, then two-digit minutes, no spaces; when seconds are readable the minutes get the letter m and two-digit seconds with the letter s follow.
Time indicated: 12h30
